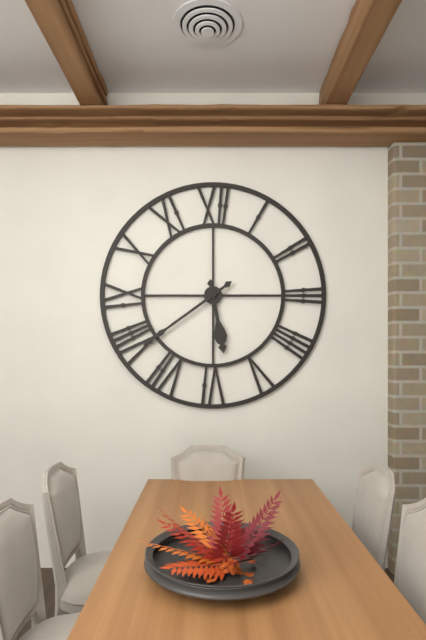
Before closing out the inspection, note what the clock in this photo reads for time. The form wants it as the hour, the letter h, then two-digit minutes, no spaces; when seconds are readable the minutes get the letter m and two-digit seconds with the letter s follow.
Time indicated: 5h39
